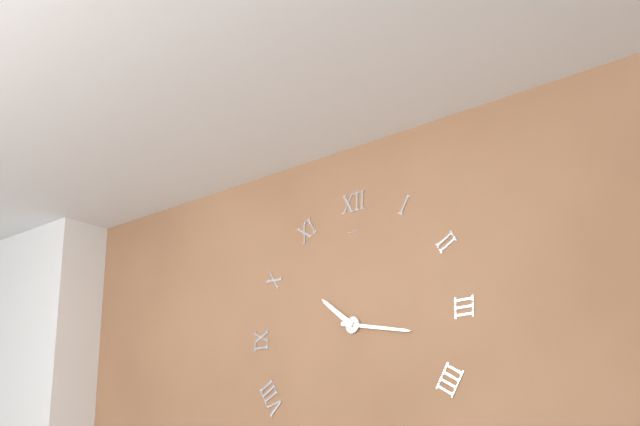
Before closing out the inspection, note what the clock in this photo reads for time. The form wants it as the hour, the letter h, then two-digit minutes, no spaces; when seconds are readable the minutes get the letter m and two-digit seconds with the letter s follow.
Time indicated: 10h17
